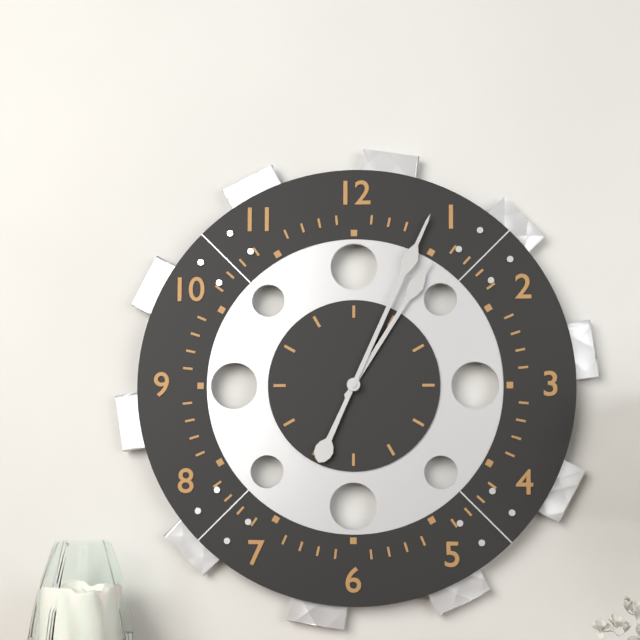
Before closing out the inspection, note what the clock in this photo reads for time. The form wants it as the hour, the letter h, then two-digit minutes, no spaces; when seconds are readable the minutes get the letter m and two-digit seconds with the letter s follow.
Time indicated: 1h04
